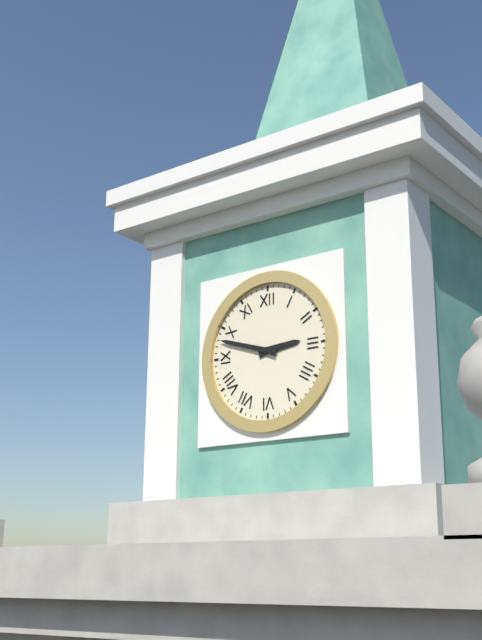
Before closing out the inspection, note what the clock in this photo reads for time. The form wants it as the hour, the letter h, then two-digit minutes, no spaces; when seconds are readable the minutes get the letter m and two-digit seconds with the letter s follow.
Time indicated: 2h48
